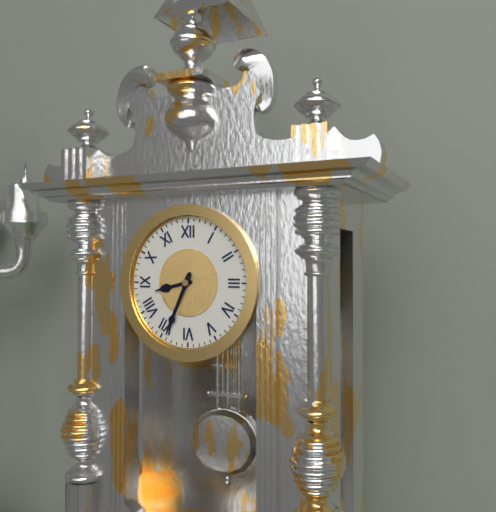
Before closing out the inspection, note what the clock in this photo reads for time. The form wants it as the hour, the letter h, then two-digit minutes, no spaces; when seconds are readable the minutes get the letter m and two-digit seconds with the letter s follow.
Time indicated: 8h34
